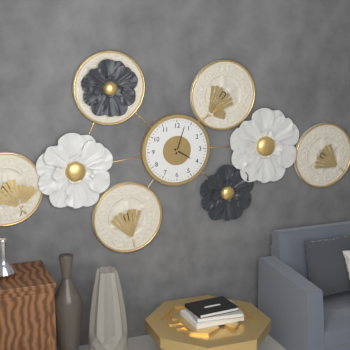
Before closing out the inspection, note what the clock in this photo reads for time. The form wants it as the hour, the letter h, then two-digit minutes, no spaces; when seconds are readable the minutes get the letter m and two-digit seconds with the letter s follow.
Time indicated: 4h03
